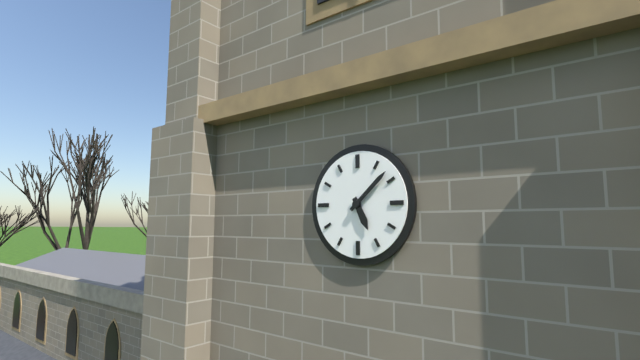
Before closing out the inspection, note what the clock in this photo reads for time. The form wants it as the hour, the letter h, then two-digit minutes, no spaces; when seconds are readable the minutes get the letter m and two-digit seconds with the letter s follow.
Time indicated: 5h08
